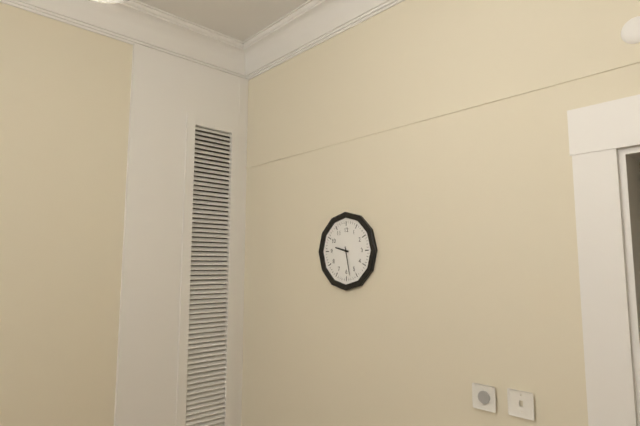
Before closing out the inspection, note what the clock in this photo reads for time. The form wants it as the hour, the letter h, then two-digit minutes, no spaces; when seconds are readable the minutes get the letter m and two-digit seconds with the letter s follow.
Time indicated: 9h28
